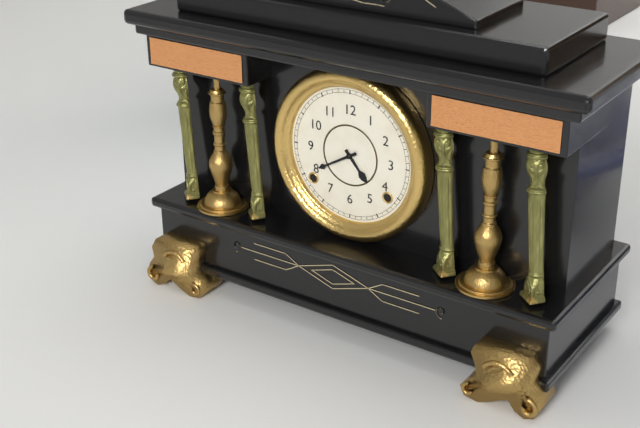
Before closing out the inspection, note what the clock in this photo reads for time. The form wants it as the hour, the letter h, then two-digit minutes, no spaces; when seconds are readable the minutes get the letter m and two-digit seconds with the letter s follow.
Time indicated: 4h40
